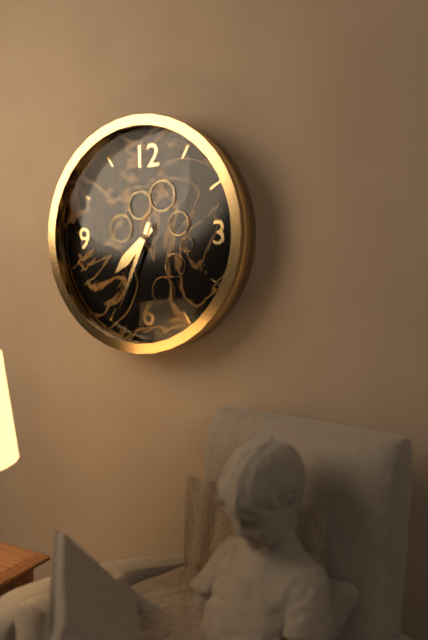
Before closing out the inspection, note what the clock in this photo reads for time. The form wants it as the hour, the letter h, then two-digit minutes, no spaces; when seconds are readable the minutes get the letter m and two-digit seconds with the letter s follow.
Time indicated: 7h34
